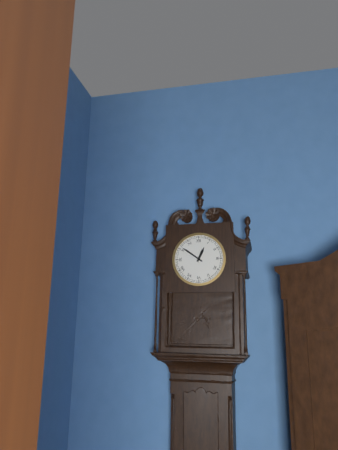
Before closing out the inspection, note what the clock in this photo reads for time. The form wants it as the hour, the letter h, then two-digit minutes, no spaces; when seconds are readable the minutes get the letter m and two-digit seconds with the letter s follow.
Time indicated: 12h51
